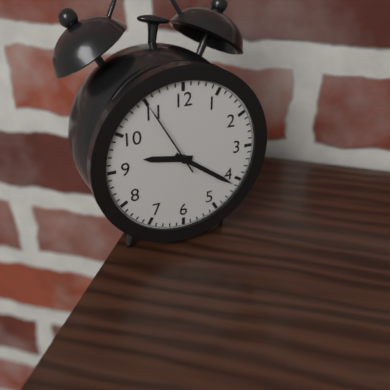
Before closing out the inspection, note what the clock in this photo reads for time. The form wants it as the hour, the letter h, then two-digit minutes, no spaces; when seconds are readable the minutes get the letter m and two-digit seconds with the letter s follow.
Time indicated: 9h21m55s
